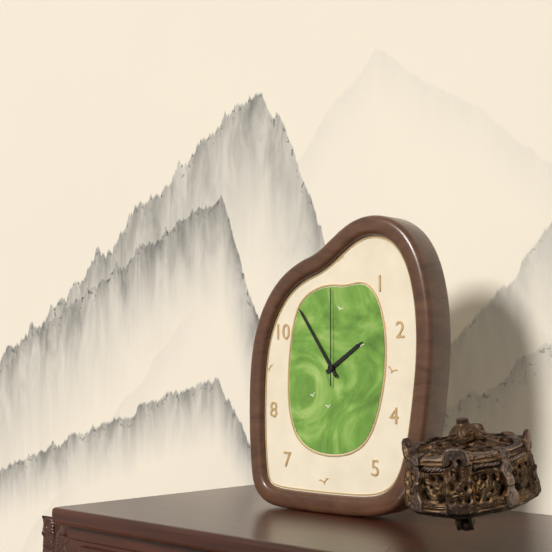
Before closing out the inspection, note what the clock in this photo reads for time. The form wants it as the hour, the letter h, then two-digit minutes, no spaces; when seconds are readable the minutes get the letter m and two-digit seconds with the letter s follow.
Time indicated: 1h54m00s
